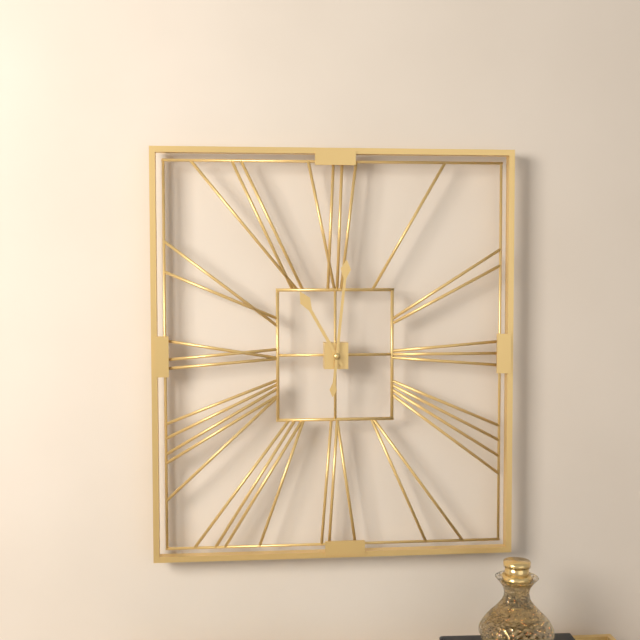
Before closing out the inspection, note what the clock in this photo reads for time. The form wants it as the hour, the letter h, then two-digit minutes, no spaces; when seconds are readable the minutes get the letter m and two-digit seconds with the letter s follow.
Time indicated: 11h01
